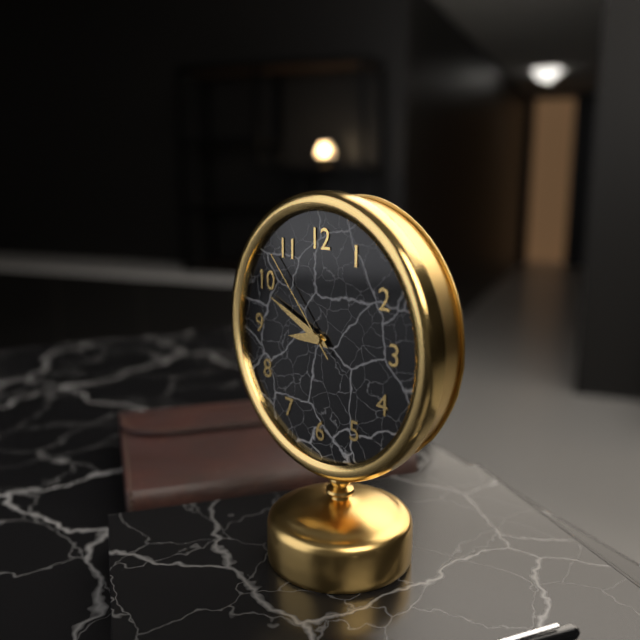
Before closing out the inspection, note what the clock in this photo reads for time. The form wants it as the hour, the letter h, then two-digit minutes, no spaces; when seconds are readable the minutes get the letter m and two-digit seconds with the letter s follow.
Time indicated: 8h49m53s
